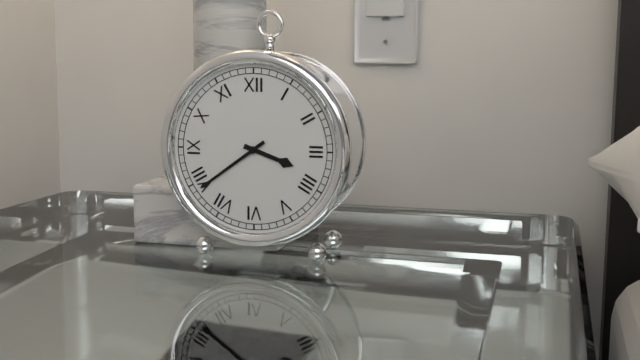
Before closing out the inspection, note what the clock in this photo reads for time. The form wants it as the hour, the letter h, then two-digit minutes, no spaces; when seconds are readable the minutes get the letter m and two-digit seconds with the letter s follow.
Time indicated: 3h39
